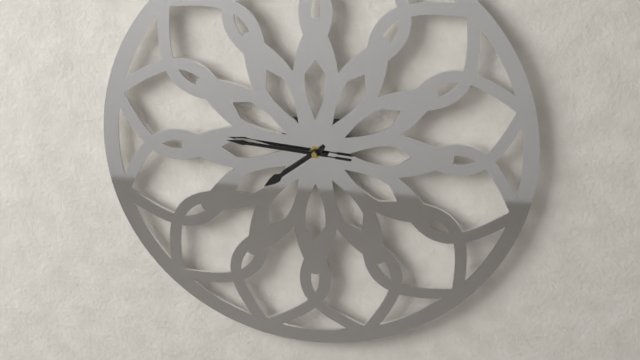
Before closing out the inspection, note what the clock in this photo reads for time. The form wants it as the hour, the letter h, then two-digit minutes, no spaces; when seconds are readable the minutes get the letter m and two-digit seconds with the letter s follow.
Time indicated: 7h46m46s
